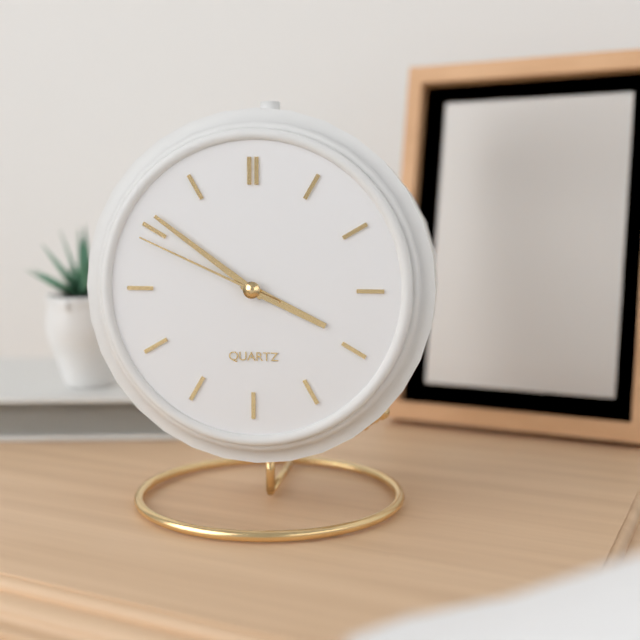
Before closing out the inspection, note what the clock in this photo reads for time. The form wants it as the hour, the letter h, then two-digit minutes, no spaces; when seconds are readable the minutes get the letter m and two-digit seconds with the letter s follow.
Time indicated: 3h51m49s
